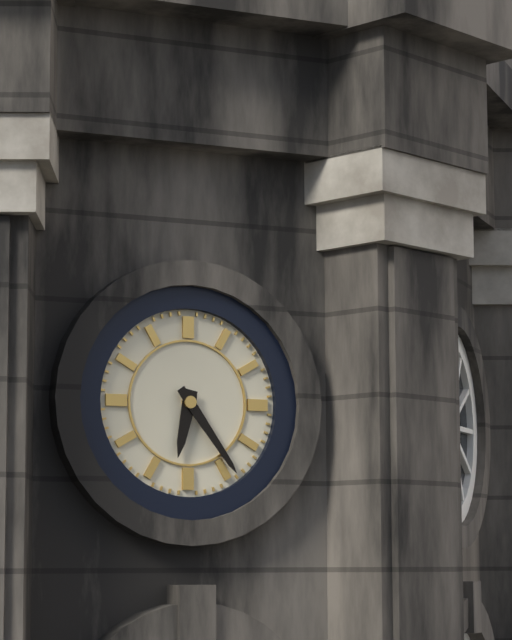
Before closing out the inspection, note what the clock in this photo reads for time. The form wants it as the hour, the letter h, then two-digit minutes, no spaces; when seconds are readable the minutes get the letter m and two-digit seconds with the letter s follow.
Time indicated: 6h24
